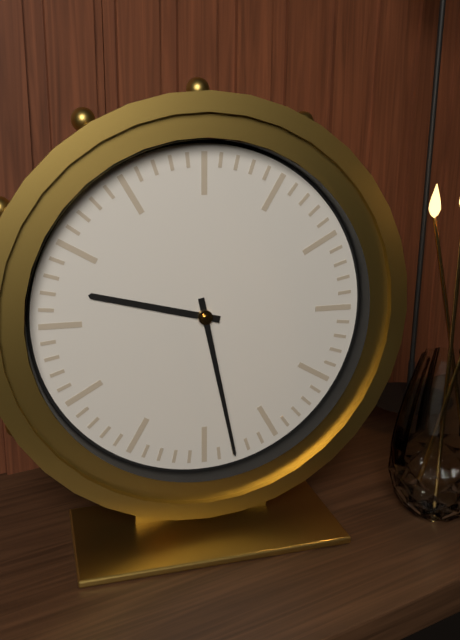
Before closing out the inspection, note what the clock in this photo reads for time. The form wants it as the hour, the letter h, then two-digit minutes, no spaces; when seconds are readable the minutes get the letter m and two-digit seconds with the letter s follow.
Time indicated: 9h28
